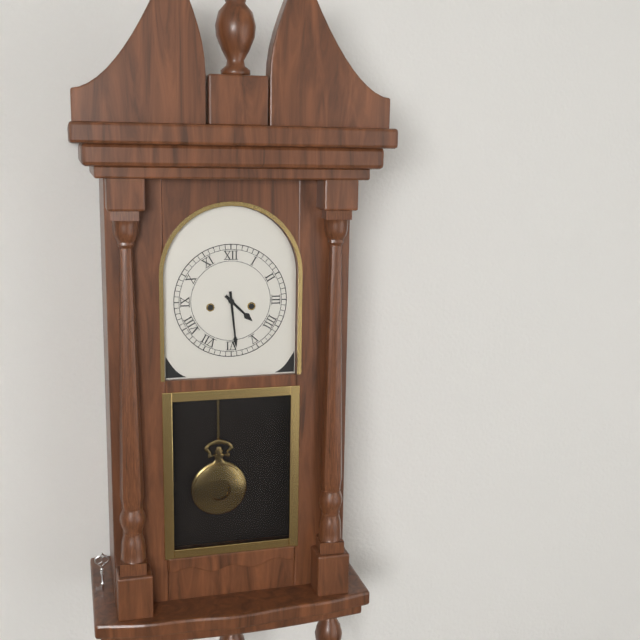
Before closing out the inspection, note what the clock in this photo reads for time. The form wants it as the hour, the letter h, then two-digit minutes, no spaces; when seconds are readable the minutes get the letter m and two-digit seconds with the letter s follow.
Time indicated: 4h29
